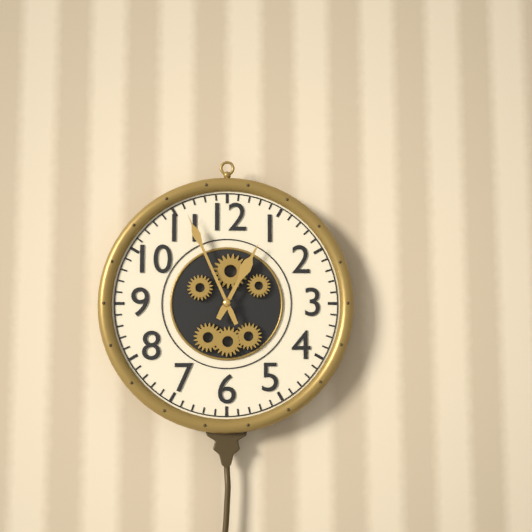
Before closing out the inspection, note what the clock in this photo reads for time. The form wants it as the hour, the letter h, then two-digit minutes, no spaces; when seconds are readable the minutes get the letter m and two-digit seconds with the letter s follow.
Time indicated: 12h56
